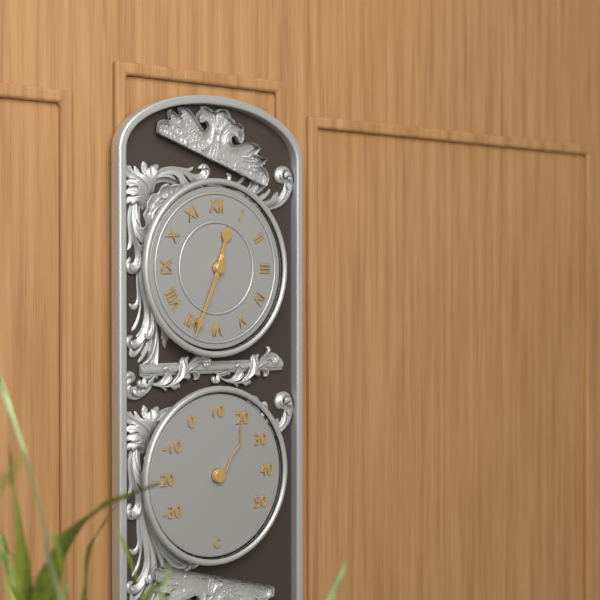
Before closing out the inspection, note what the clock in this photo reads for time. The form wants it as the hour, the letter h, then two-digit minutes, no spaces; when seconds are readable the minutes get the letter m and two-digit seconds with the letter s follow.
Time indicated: 12h34
